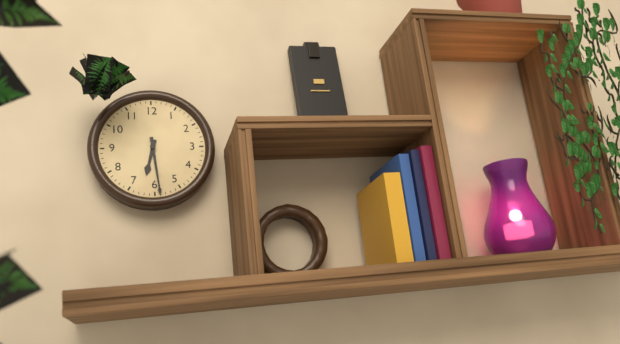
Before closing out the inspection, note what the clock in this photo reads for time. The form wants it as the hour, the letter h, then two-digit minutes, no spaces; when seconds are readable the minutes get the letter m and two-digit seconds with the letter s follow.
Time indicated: 6h29
